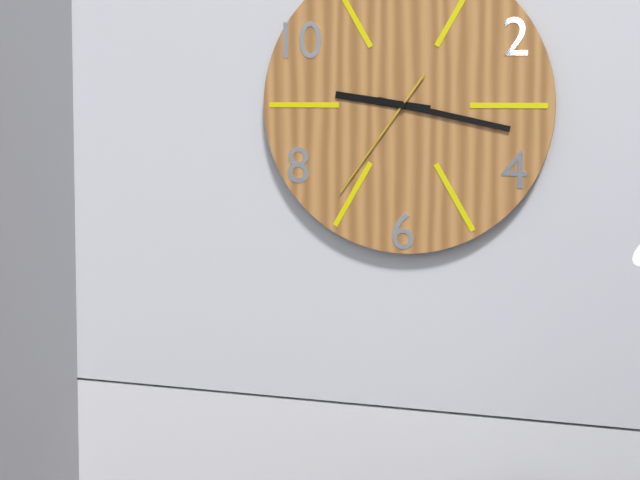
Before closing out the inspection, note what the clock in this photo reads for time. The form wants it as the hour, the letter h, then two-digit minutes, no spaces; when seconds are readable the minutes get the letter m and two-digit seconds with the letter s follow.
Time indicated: 9h17m36s
